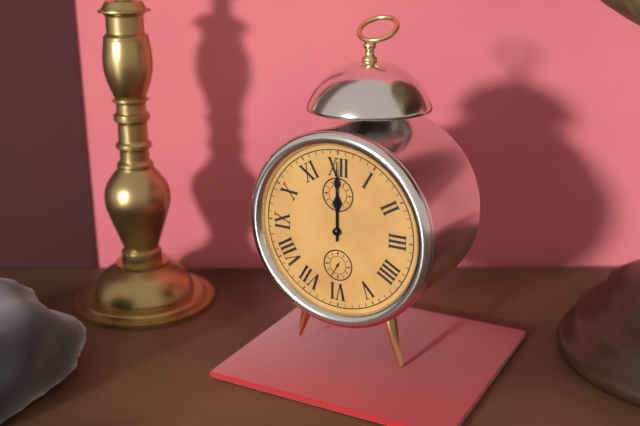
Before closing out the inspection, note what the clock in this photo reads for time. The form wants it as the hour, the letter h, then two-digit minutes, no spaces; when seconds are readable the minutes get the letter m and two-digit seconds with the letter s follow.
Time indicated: 12h00
